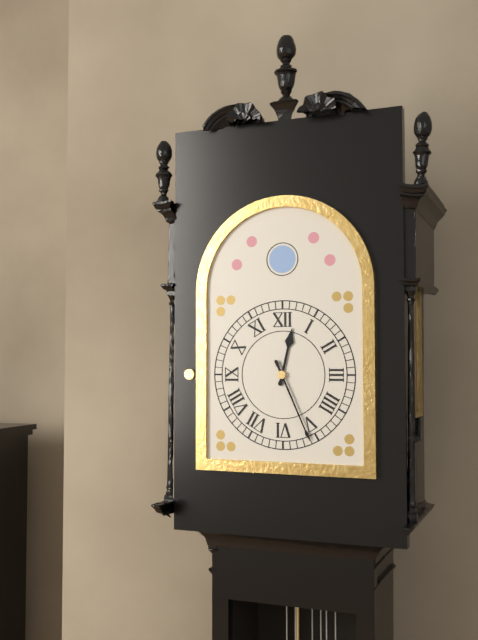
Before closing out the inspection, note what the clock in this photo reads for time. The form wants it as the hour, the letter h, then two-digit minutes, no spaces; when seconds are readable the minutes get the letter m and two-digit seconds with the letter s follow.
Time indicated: 12h26
